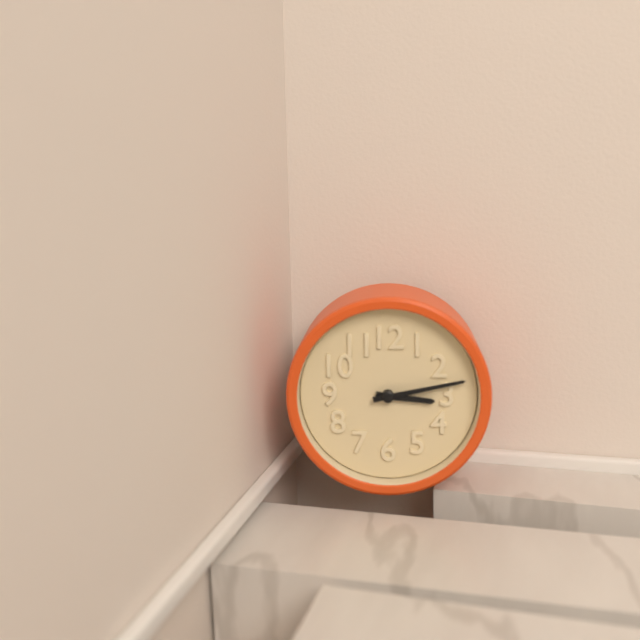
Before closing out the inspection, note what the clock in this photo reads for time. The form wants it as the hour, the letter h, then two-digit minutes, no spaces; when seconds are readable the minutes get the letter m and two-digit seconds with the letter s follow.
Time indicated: 3h13
